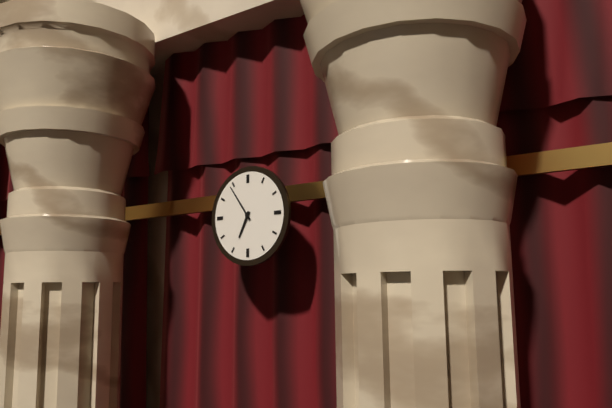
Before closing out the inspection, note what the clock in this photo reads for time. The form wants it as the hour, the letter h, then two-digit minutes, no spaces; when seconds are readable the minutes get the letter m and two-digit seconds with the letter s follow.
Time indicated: 6h54
